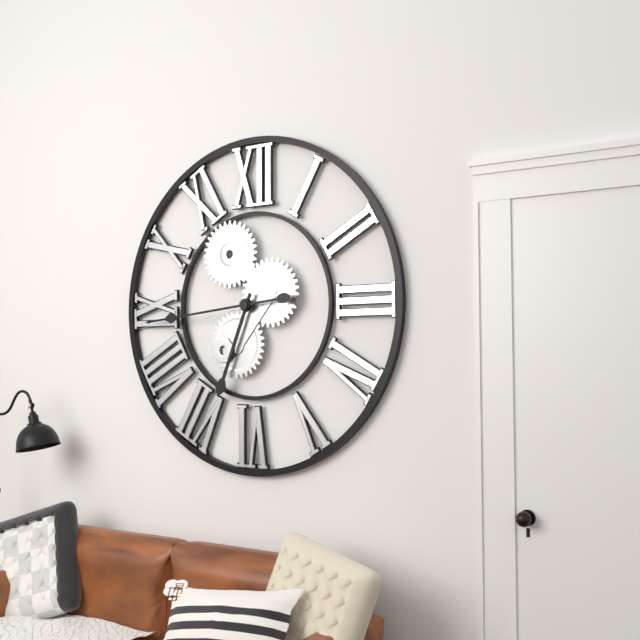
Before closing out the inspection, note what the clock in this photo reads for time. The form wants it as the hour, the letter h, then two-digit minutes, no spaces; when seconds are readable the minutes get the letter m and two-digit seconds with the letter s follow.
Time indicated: 6h44
